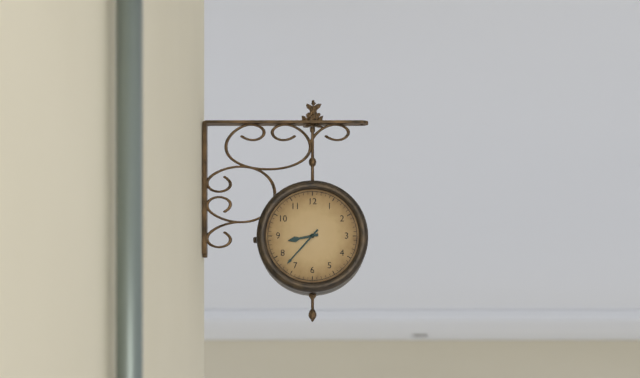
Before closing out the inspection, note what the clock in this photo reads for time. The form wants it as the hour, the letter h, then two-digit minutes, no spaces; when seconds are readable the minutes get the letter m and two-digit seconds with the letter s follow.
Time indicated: 8h37
